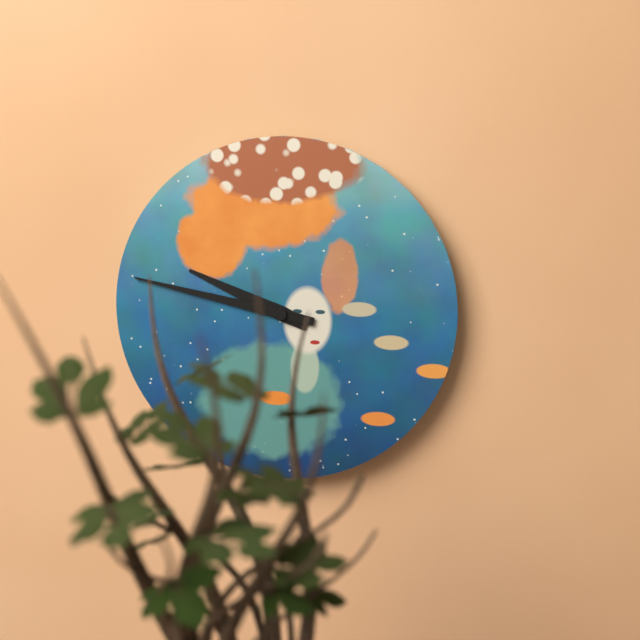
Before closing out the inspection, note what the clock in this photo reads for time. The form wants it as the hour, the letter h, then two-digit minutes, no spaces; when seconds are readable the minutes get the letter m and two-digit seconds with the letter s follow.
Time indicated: 9h47
